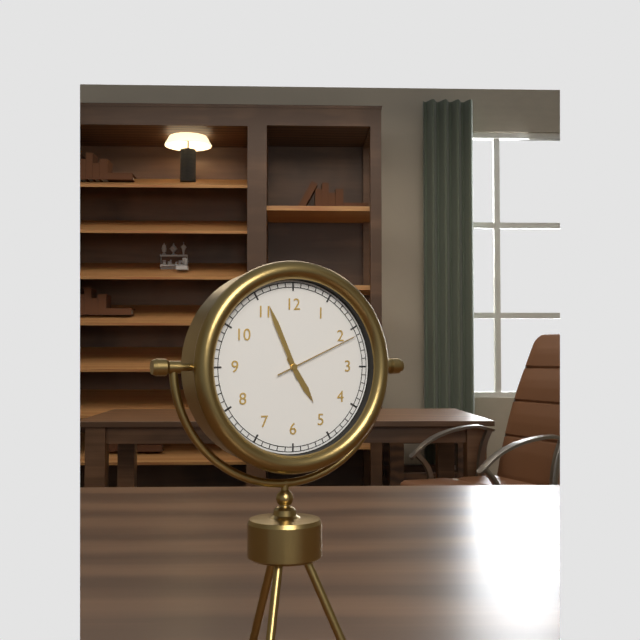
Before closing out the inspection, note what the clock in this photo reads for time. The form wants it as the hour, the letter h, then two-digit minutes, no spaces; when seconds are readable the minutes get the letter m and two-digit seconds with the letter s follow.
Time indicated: 4h56m11s
